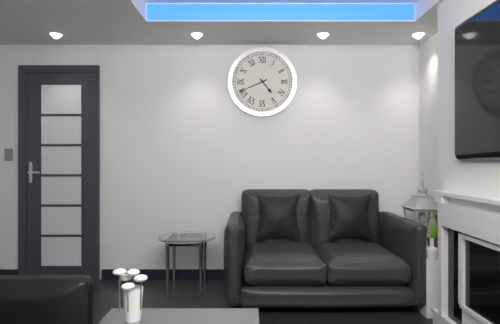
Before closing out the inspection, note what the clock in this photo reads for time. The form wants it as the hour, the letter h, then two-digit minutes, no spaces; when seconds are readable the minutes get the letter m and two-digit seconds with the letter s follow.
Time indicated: 4h41
